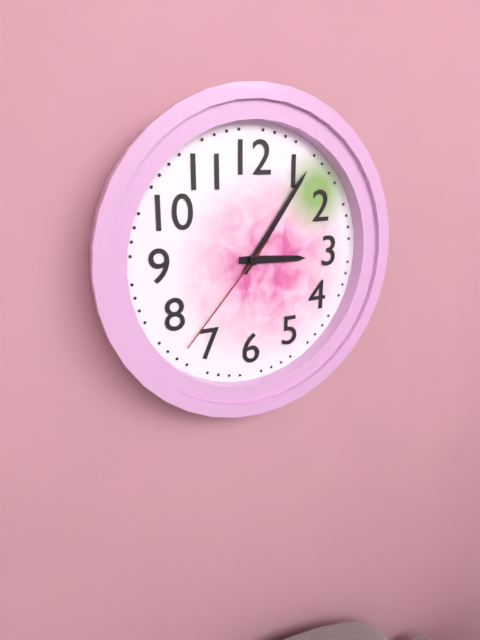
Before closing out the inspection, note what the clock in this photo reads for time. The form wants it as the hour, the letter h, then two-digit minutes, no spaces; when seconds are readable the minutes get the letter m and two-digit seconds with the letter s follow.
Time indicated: 3h06m37s
